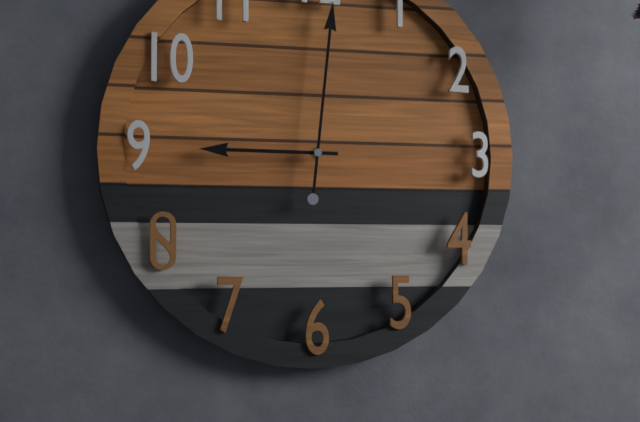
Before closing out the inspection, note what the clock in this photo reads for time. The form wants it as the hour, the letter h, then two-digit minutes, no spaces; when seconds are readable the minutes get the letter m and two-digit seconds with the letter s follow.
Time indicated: 9h01
